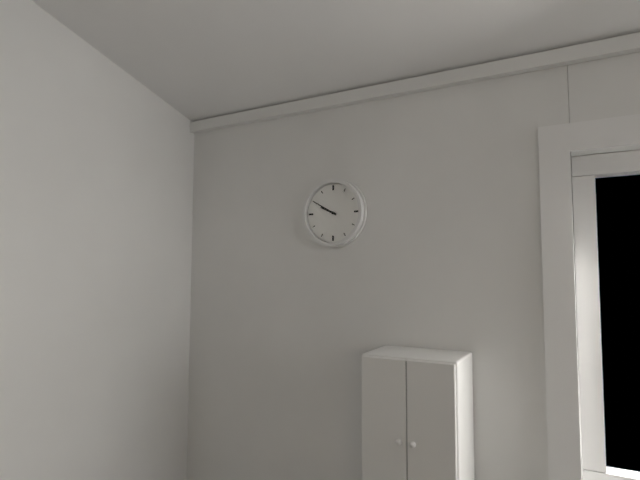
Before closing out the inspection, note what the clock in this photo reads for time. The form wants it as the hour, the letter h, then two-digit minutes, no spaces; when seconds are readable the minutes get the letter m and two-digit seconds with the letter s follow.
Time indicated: 9h50
